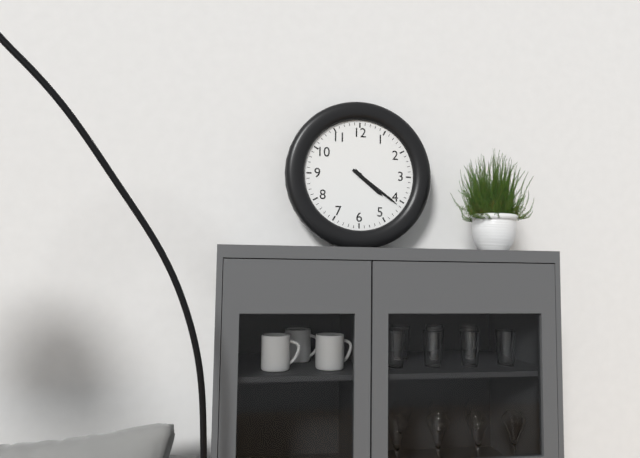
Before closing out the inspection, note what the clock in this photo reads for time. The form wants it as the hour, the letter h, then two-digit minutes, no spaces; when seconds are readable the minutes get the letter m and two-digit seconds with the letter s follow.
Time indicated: 4h21
